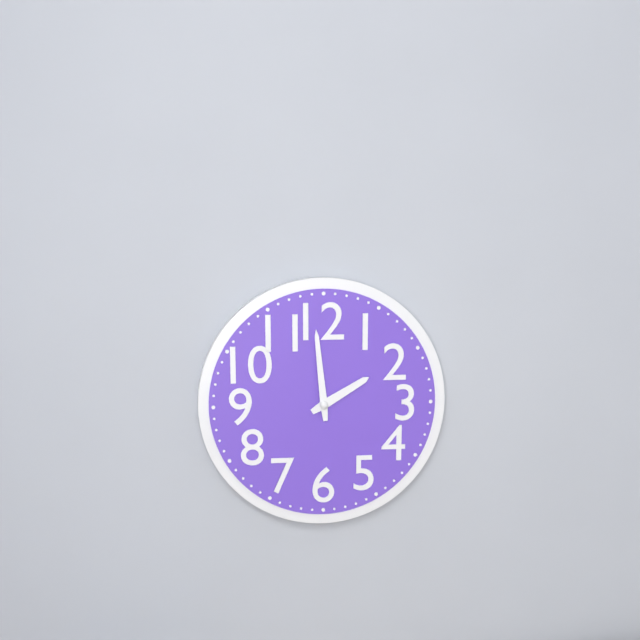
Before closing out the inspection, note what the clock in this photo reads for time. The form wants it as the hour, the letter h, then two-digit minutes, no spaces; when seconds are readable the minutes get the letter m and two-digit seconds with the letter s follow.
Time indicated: 1h59
